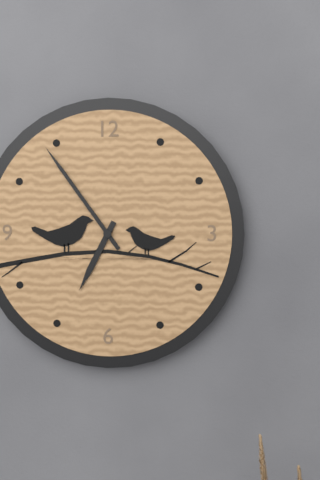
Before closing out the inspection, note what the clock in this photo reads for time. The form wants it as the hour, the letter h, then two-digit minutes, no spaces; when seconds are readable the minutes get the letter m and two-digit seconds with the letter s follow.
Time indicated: 6h54
